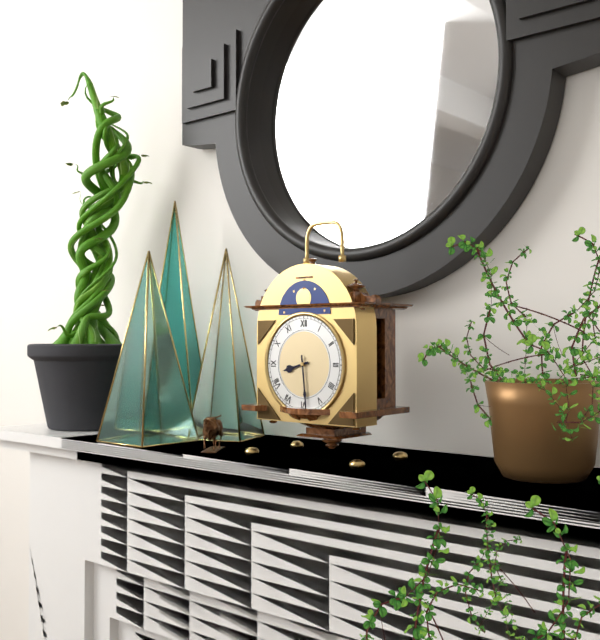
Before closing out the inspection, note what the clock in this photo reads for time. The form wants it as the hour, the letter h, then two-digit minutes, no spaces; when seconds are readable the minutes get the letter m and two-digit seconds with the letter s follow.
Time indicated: 8h29
